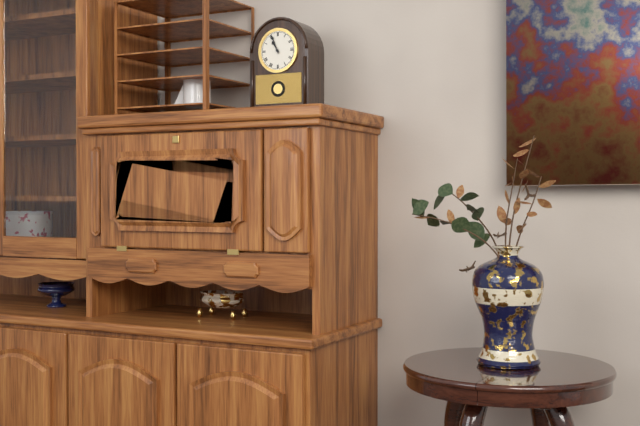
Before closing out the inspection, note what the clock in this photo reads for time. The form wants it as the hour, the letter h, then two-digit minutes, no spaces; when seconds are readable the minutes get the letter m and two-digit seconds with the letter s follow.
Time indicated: 10h56
